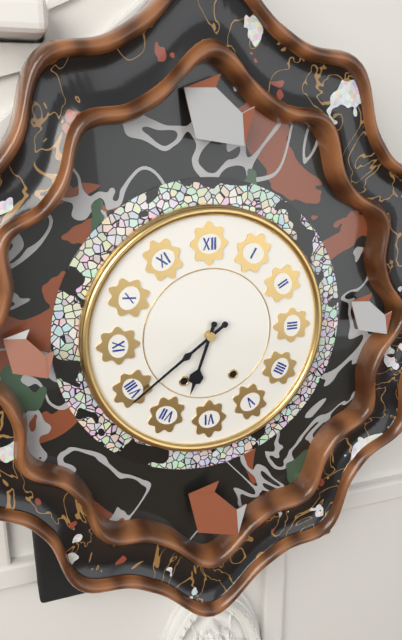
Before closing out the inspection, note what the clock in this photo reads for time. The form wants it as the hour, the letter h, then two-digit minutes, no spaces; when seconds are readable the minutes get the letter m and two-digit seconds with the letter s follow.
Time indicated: 6h39
